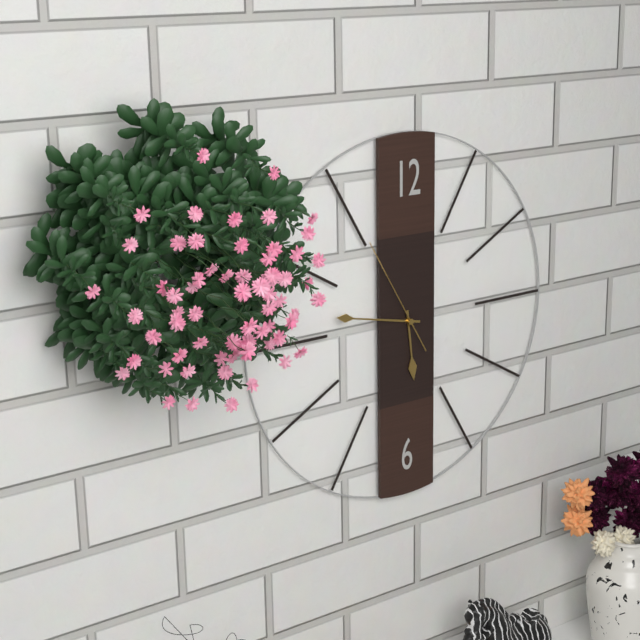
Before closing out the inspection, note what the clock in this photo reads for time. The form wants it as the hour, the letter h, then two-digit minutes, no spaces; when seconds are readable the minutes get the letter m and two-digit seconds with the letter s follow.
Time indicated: 5h47m55s
